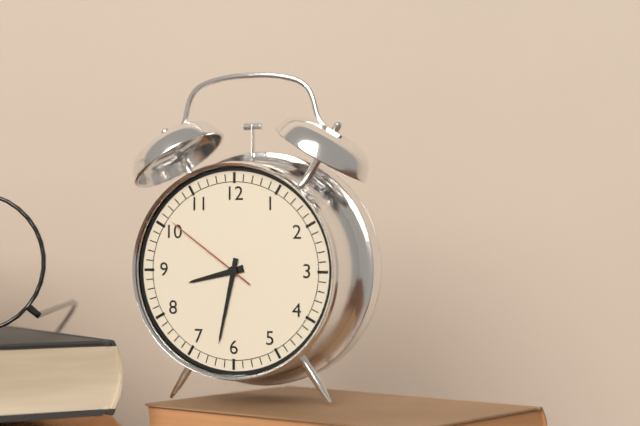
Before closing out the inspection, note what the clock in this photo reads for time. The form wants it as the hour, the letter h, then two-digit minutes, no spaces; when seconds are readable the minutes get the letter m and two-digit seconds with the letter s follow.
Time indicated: 8h32m51s
